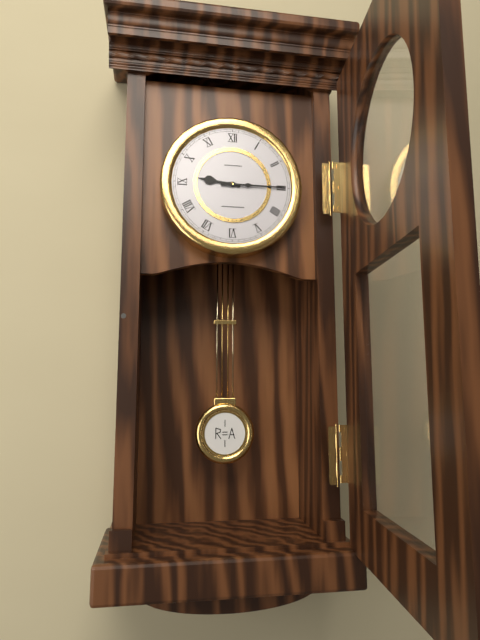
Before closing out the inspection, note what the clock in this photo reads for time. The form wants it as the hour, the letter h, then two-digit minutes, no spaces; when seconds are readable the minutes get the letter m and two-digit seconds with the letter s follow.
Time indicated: 9h15
